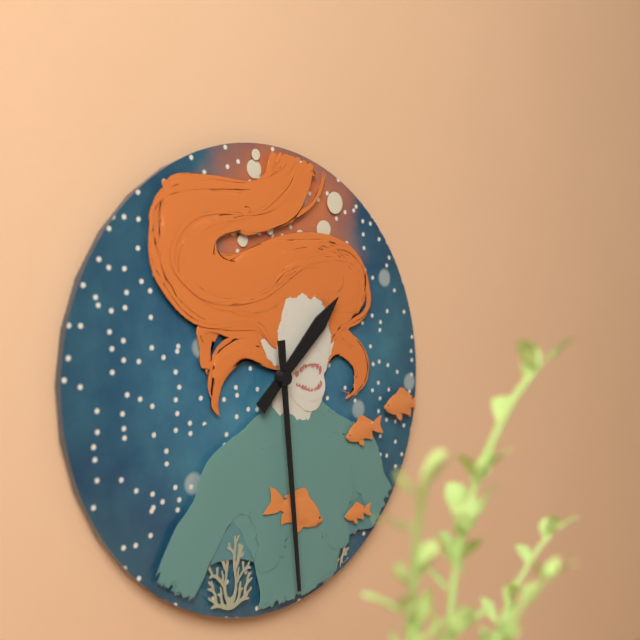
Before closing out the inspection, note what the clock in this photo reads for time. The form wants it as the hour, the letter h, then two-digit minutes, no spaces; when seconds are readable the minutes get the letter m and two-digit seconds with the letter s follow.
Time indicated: 1h29
